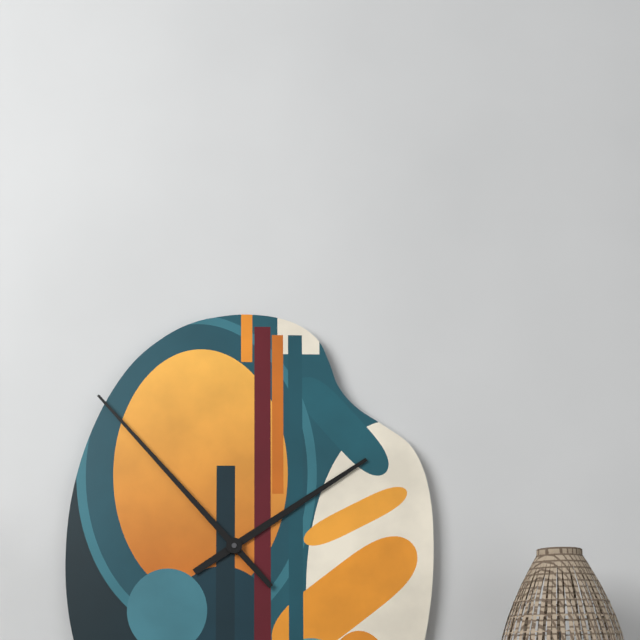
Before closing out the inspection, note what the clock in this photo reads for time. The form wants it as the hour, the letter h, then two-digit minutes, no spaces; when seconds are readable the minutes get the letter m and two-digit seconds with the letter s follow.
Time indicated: 1h53
